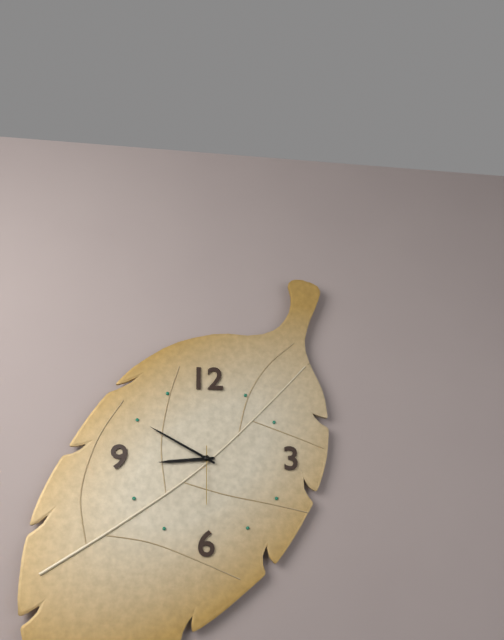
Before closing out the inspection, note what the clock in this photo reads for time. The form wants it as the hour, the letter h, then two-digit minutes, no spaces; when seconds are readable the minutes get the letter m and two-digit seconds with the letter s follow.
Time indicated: 8h50m30s
